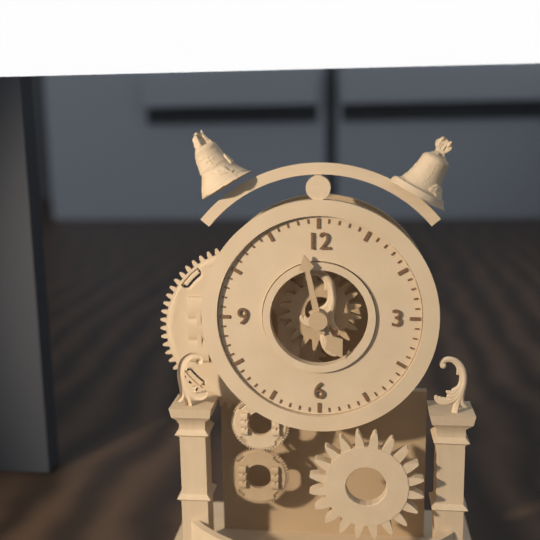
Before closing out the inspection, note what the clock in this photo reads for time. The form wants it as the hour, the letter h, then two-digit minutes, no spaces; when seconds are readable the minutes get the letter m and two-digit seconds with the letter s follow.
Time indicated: 4h58
